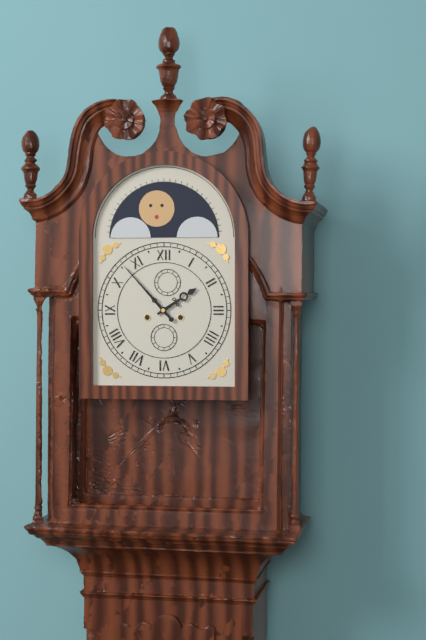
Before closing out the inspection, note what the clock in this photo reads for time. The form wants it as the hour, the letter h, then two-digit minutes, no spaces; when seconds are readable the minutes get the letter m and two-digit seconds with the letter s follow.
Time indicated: 1h53
